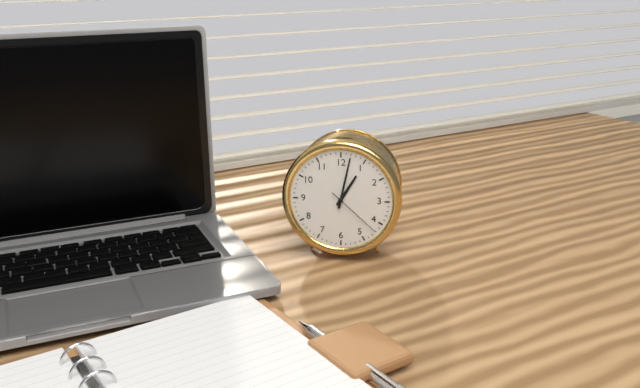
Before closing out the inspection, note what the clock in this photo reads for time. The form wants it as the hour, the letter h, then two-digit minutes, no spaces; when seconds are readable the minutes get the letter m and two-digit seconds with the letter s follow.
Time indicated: 1h02m22s
